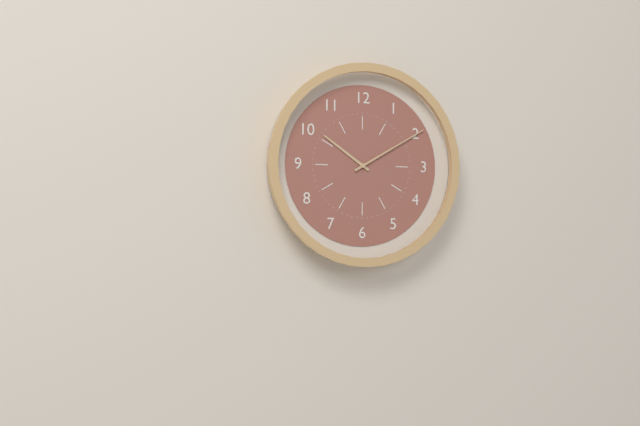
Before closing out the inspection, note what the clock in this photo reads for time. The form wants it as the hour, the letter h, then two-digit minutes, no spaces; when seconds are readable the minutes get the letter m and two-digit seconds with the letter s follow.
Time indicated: 10h10
